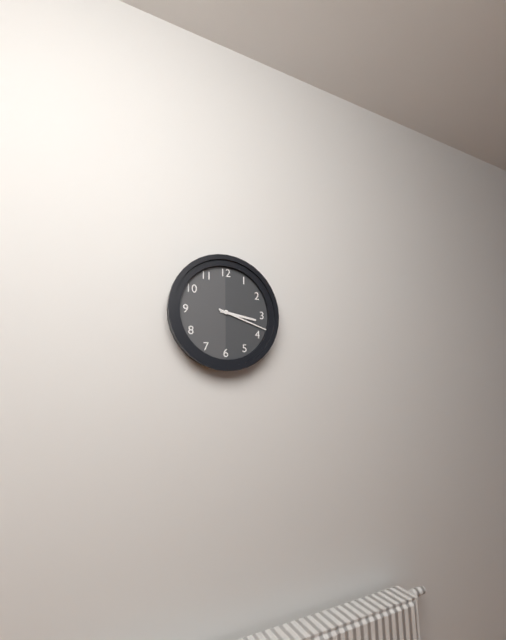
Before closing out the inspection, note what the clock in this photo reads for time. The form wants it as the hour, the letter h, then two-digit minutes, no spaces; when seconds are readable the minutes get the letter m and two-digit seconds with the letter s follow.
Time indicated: 3h18
